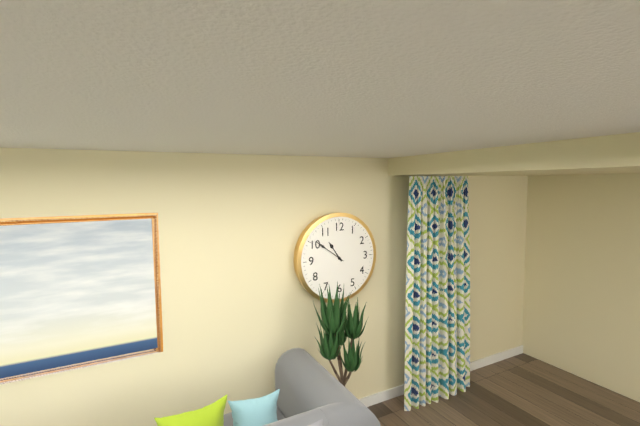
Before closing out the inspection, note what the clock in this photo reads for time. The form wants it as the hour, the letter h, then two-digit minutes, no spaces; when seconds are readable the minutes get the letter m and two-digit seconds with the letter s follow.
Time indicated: 10h51
